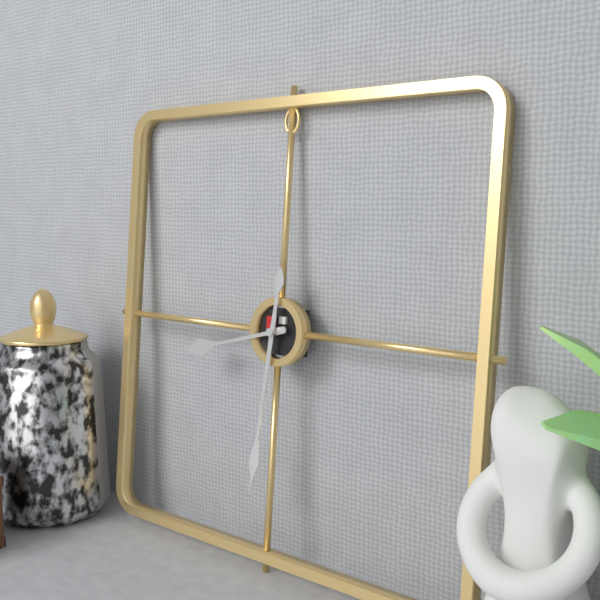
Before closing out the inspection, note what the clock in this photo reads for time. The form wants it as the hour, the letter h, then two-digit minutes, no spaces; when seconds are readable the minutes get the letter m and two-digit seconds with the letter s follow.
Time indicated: 8h31
